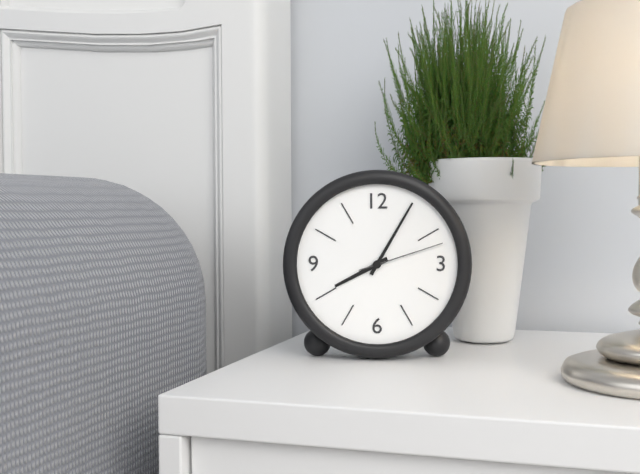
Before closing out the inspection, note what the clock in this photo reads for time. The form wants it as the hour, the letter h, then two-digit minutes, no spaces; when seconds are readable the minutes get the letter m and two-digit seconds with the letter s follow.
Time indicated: 8h05m12s
